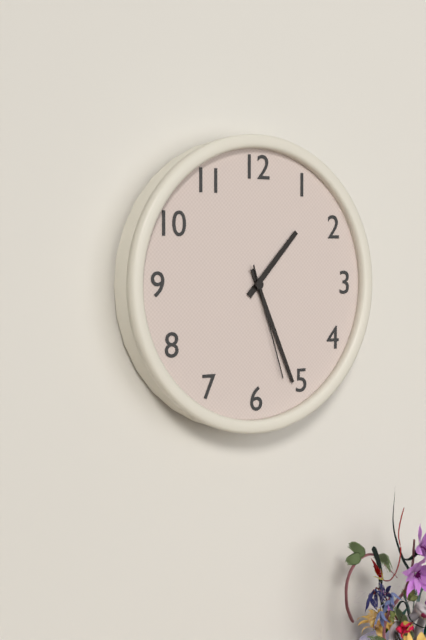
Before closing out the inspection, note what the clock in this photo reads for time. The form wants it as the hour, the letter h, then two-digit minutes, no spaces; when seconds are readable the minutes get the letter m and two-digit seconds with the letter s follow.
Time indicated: 1h26m27s
